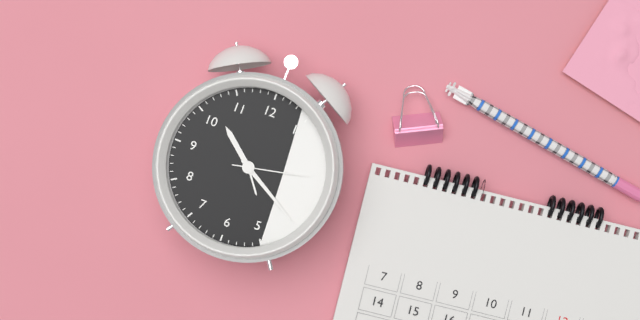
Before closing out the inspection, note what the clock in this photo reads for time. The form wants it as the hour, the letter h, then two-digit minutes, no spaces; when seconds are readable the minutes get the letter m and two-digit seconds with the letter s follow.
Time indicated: 10h20m13s
